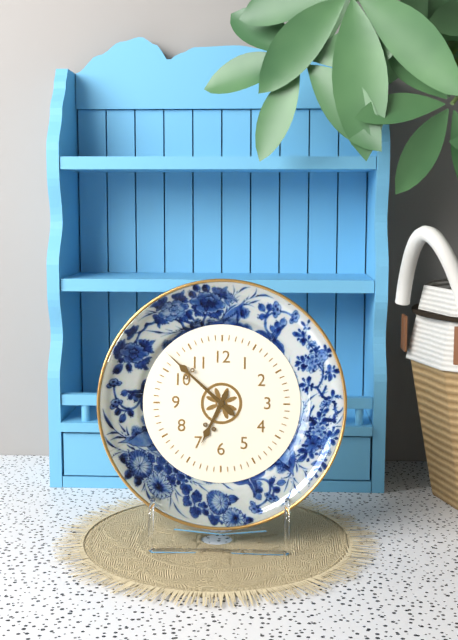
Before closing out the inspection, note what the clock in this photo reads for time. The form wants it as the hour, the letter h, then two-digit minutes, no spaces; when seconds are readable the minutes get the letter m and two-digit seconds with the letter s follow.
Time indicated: 6h52
